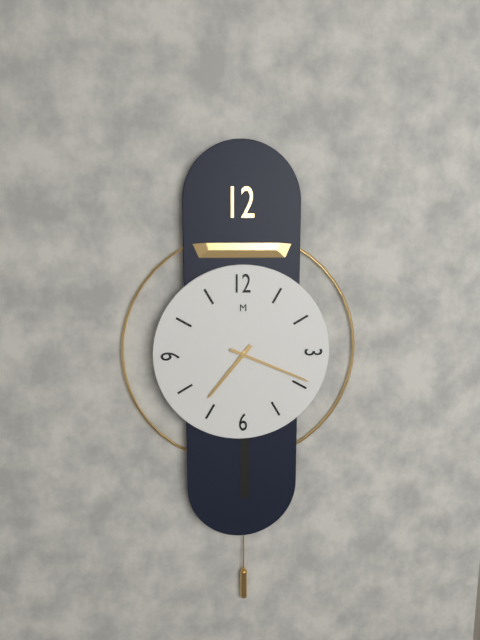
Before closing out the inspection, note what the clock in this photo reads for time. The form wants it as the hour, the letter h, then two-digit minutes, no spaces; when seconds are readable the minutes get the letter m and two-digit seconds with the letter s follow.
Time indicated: 7h19
